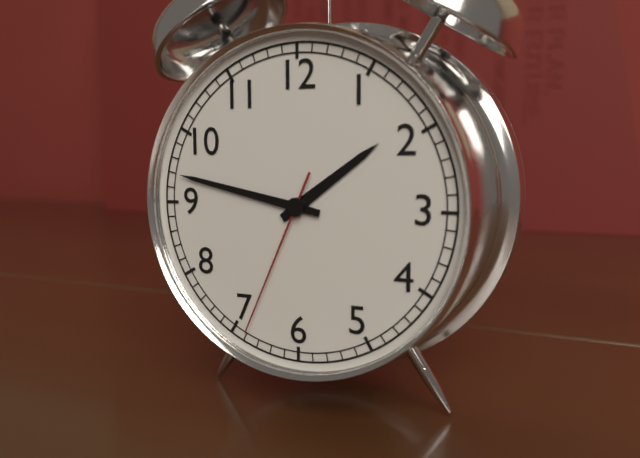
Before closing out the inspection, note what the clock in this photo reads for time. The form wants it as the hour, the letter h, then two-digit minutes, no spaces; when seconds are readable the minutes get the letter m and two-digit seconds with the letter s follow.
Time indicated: 1h47m34s
